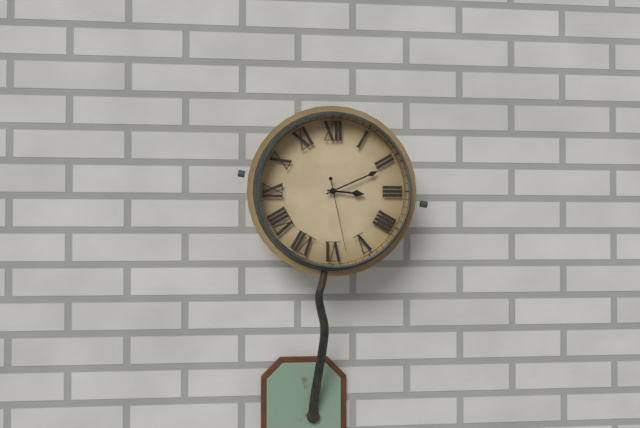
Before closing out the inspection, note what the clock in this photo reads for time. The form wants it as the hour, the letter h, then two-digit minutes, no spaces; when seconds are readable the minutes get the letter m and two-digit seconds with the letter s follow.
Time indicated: 3h11m28s
